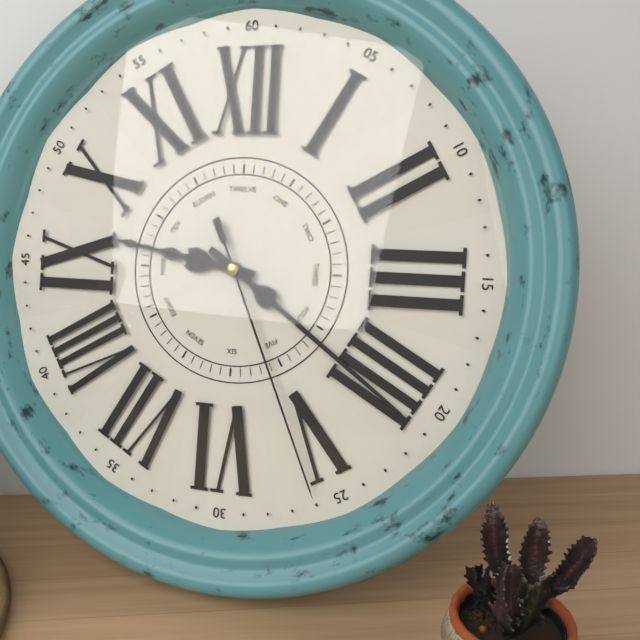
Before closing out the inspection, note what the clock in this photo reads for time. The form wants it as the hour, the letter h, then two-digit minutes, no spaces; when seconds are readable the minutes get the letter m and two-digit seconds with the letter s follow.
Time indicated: 9h21m26s
